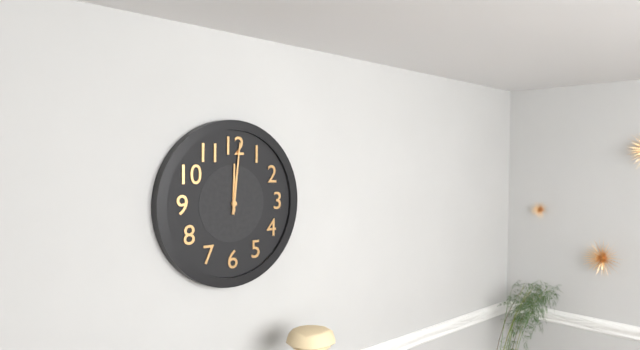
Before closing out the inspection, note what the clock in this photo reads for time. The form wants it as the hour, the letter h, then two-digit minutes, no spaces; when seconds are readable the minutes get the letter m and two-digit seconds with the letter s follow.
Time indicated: 12h01
